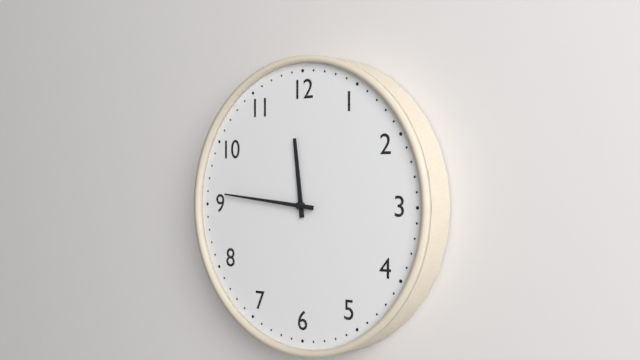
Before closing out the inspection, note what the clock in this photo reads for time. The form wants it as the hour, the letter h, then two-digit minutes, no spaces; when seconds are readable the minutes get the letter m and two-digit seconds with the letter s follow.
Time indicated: 11h46
